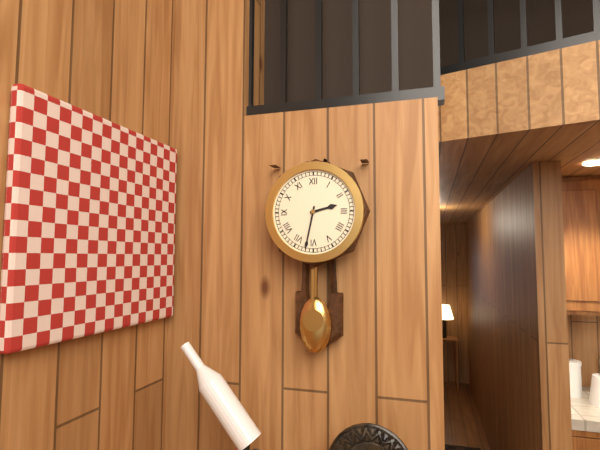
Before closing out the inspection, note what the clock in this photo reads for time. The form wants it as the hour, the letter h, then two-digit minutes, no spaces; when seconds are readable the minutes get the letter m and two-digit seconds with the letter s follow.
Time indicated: 2h32
